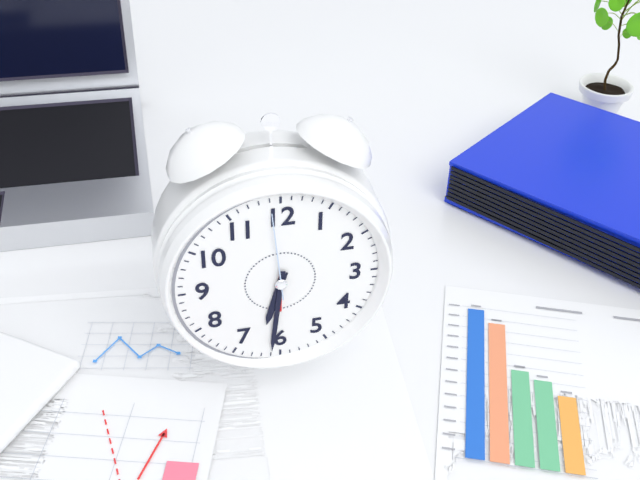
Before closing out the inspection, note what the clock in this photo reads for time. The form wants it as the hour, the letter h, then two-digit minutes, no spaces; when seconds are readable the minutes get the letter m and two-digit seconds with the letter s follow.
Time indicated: 6h31m59s
